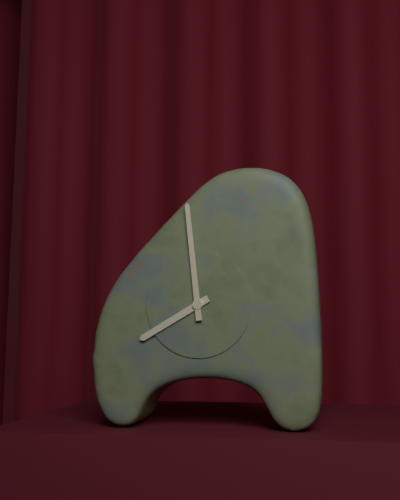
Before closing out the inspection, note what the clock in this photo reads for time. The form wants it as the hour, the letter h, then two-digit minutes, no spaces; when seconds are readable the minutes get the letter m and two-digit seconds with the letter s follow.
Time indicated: 7h59
